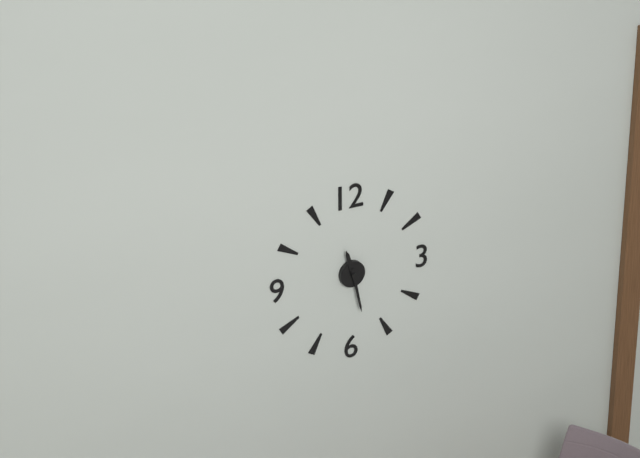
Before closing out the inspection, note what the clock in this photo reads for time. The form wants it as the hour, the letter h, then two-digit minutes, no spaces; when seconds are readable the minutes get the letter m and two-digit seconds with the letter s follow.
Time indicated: 11h28
